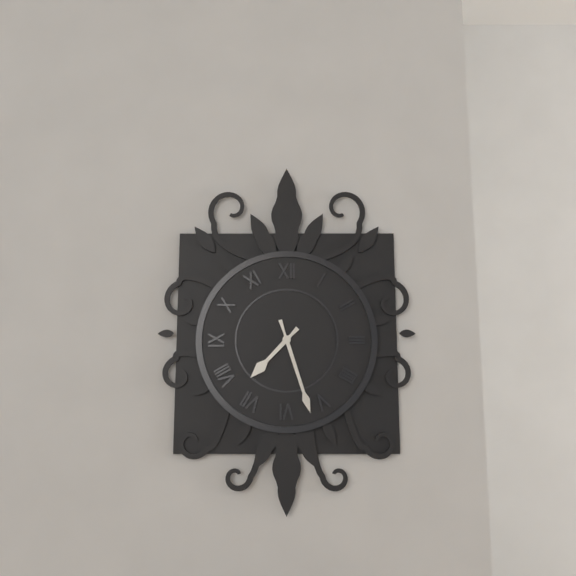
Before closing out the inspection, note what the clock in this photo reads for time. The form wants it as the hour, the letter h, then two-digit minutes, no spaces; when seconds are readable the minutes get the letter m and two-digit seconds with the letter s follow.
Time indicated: 7h27
